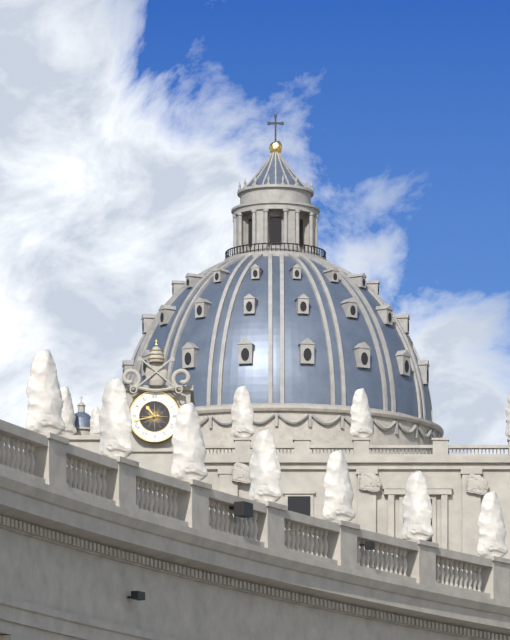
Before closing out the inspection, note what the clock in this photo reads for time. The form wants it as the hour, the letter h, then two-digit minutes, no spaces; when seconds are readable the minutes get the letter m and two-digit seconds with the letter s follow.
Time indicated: 10h43
